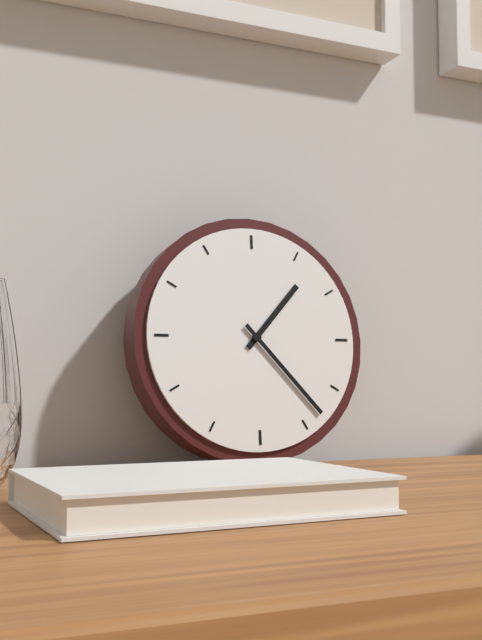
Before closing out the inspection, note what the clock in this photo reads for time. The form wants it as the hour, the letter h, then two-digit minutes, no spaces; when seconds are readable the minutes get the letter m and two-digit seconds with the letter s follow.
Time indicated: 1h23
